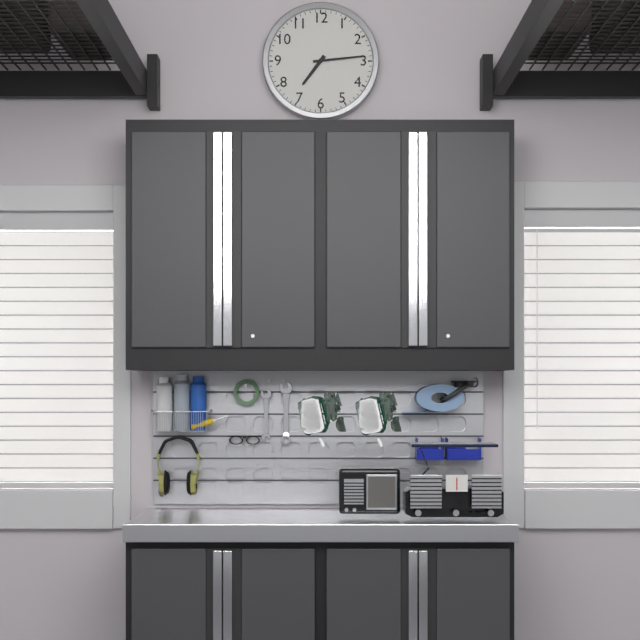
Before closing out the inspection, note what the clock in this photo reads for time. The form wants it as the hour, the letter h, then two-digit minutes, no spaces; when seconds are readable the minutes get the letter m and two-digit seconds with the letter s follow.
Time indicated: 7h14
